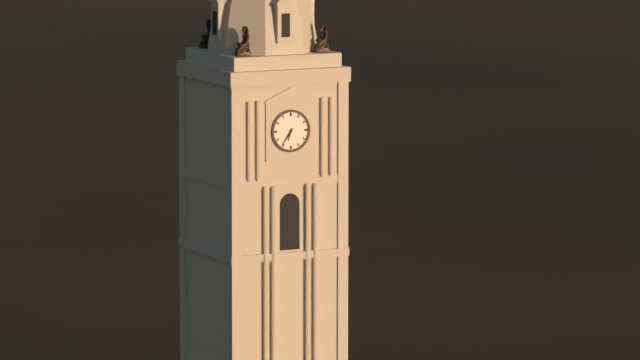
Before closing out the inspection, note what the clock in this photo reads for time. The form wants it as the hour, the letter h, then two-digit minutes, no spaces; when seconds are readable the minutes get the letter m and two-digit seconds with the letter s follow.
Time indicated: 6h36
